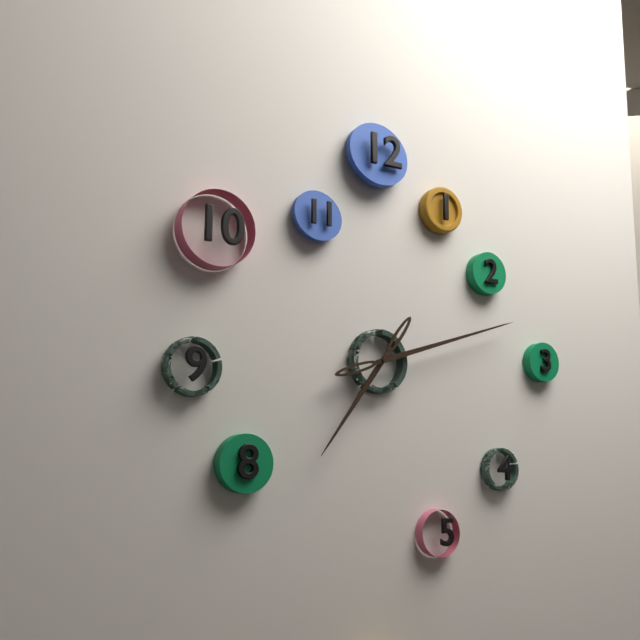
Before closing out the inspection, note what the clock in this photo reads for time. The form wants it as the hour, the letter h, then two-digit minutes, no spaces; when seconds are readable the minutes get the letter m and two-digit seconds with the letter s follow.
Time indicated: 7h12
